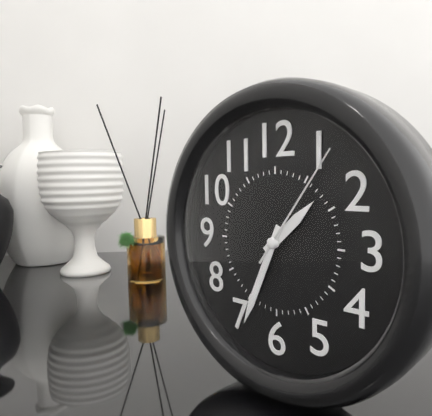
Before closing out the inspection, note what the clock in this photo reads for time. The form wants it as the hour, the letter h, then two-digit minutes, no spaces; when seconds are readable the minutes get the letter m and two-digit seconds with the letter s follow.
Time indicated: 1h34m06s
